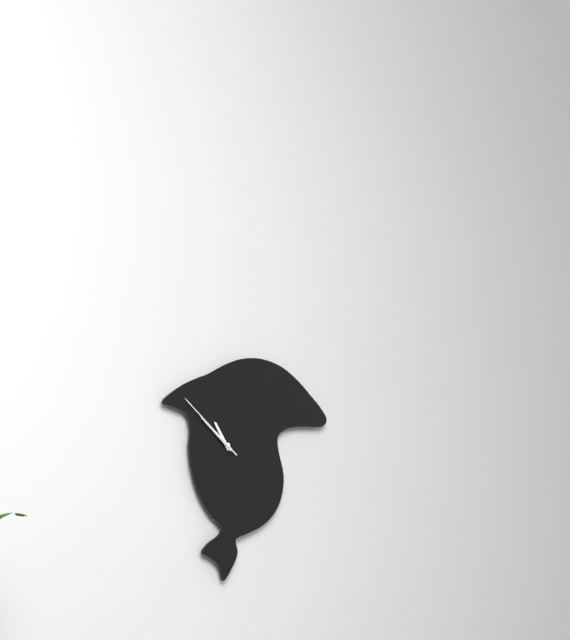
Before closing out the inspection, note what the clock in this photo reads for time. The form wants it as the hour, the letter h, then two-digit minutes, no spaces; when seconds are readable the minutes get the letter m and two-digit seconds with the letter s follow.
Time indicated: 10h51m51s
